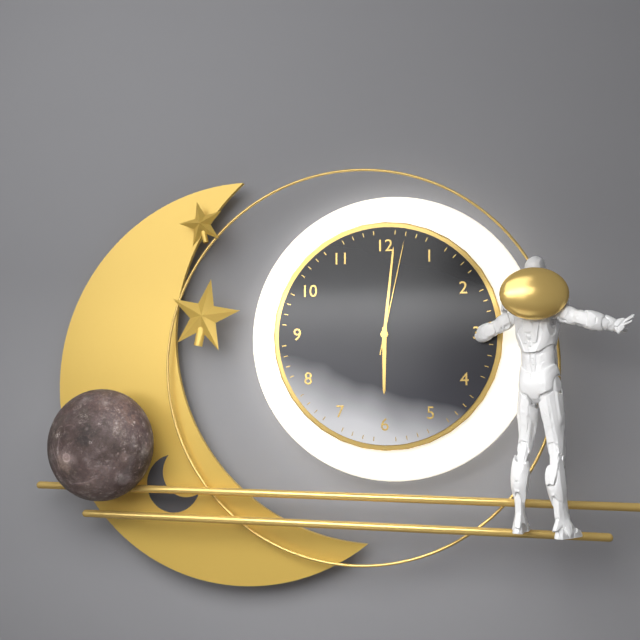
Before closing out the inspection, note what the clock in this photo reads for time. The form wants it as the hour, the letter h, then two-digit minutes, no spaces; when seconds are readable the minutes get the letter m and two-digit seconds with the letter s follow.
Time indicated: 6h01m02s
